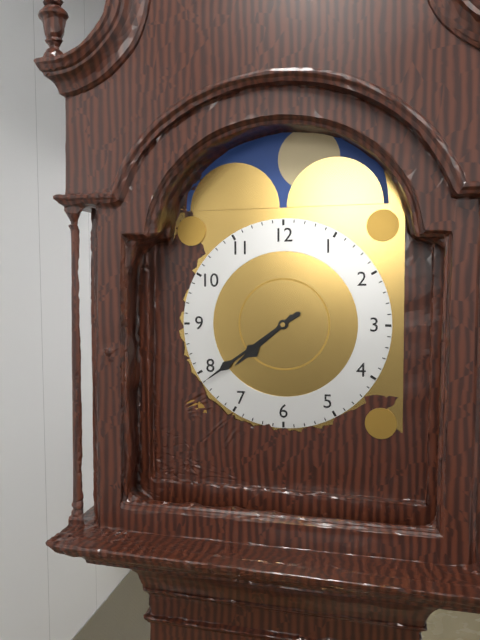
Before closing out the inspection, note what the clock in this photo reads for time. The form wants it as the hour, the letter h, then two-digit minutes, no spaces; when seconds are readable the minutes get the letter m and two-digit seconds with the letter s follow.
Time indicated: 7h39
